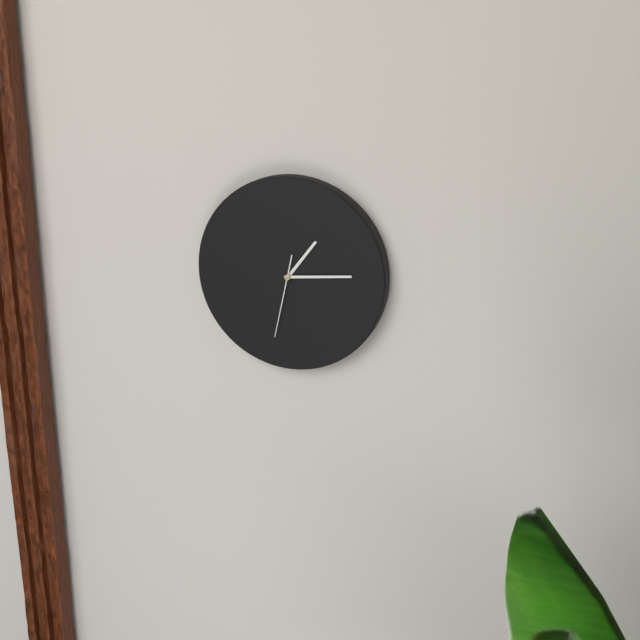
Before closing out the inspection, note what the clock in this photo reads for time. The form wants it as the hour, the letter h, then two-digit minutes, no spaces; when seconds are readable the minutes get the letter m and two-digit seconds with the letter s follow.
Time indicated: 1h14m32s
